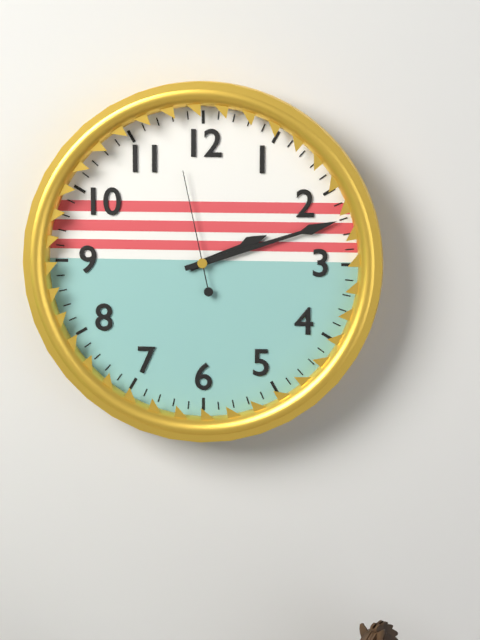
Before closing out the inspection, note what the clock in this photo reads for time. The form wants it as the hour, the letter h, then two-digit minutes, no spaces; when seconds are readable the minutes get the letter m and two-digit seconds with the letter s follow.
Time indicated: 2h12m58s
